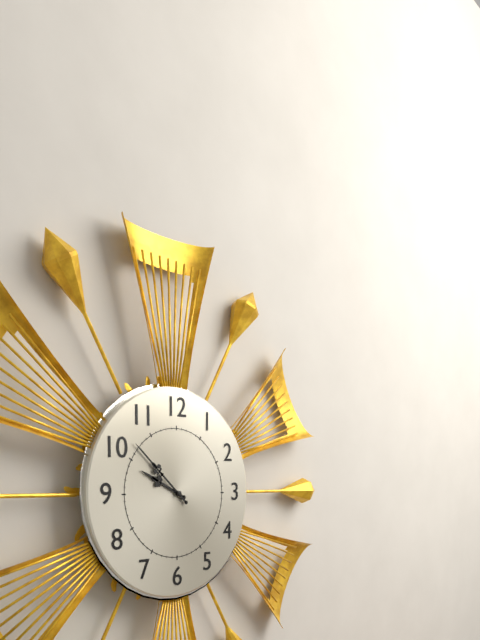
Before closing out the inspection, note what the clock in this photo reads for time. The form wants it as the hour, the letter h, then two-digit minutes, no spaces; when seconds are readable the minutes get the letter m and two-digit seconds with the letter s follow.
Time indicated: 9h52
